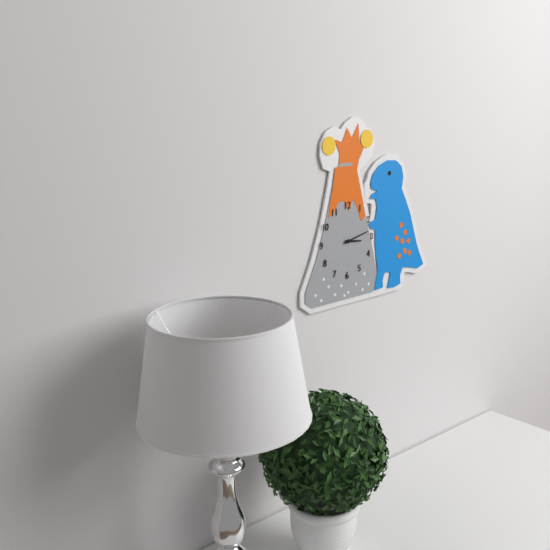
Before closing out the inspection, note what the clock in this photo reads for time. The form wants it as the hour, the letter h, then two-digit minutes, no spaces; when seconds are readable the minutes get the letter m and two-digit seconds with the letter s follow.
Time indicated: 3h13
